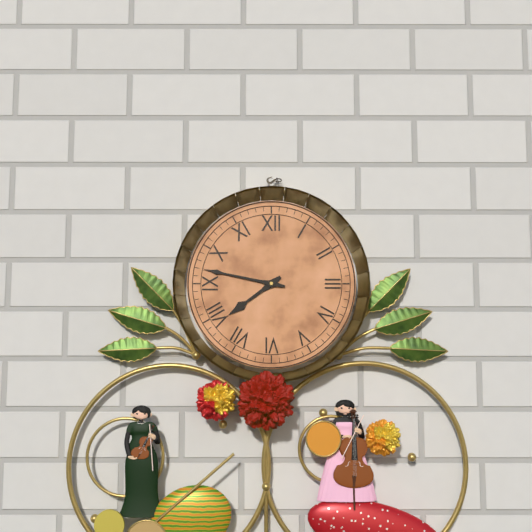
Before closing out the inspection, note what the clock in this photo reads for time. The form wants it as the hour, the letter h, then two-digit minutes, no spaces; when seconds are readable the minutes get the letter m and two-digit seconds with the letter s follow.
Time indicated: 7h47
